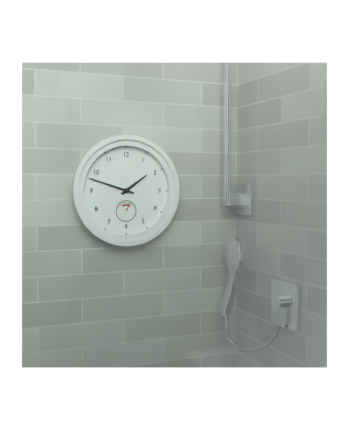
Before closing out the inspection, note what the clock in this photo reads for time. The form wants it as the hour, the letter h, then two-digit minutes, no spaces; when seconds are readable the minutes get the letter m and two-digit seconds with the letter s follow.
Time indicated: 1h48
